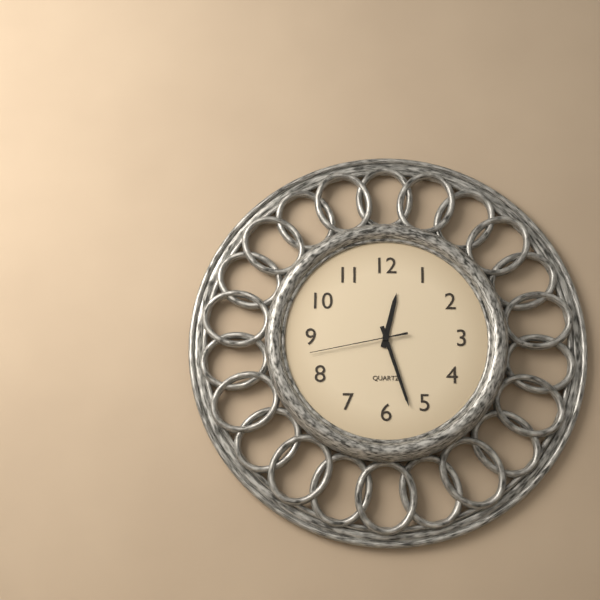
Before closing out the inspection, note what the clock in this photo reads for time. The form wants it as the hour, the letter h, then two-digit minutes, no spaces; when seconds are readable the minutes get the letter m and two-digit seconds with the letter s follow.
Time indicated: 12h27m43s
